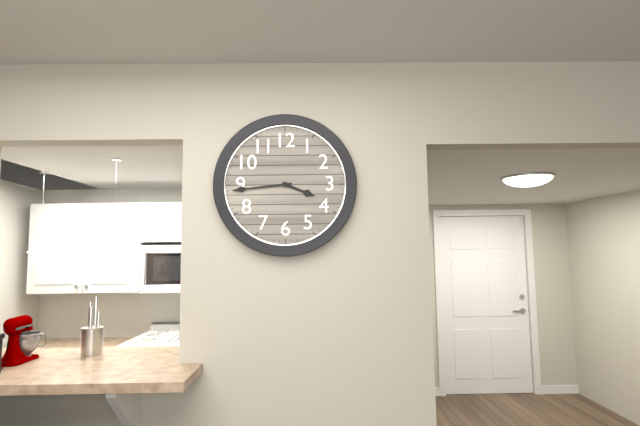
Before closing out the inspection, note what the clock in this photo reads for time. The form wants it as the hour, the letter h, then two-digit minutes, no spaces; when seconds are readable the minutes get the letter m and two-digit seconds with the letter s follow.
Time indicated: 3h44
